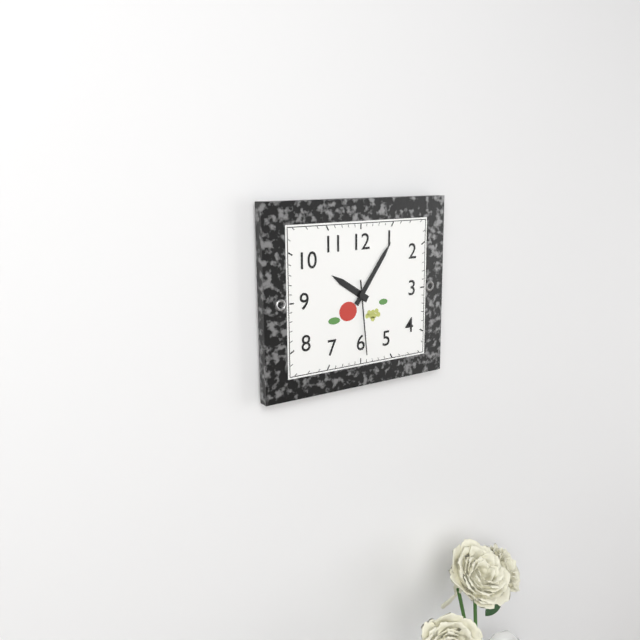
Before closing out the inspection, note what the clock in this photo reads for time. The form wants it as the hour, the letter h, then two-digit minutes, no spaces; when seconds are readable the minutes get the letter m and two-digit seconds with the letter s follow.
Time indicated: 10h06m29s
